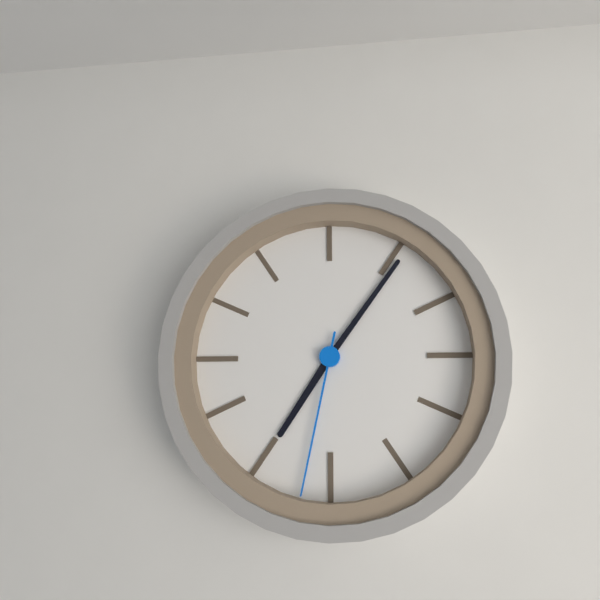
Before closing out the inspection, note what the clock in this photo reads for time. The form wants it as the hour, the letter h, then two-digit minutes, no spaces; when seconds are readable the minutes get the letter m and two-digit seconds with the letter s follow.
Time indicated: 7h06m32s
